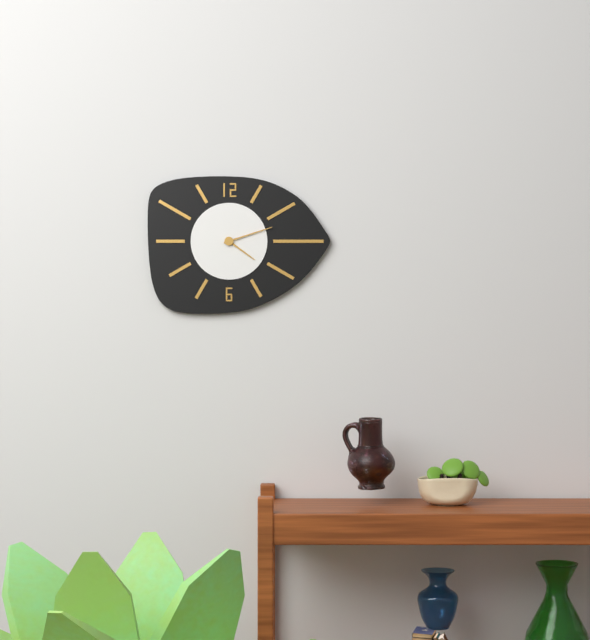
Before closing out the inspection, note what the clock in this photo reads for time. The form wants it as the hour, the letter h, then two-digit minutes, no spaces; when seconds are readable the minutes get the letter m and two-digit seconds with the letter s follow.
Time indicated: 4h12
